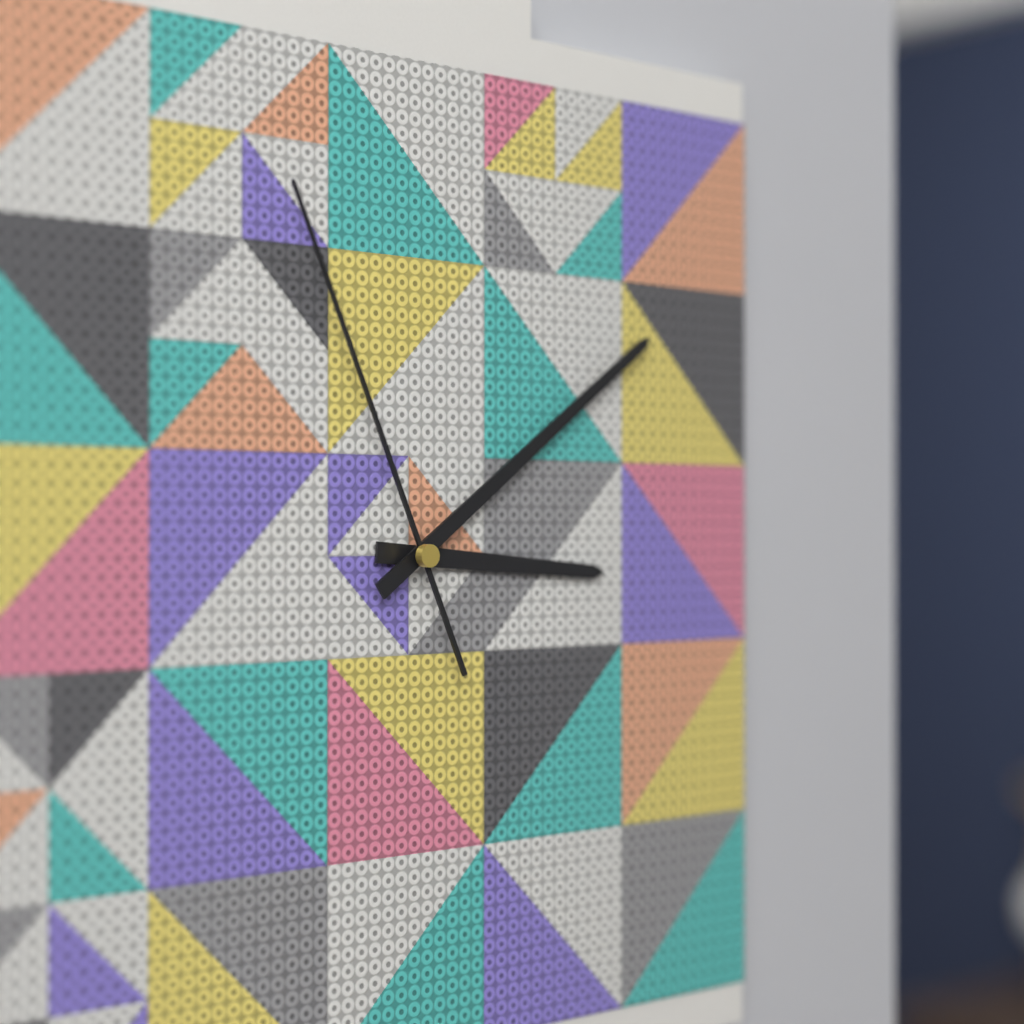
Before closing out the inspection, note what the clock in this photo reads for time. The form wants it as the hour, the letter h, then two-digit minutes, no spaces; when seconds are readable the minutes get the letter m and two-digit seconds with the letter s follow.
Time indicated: 3h09m56s
